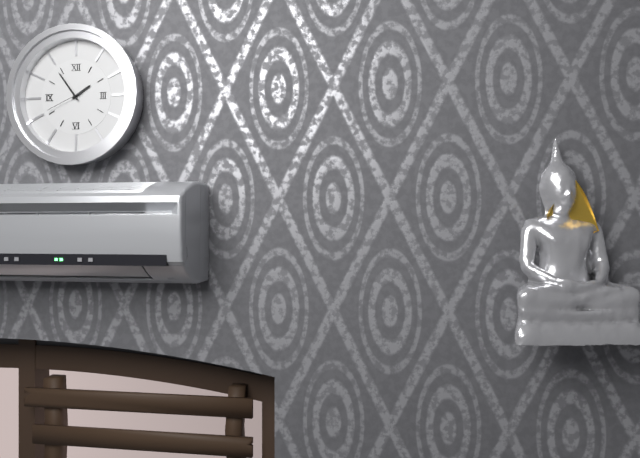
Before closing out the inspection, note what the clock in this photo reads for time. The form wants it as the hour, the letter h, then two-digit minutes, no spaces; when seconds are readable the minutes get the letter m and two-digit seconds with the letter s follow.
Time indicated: 1h54
